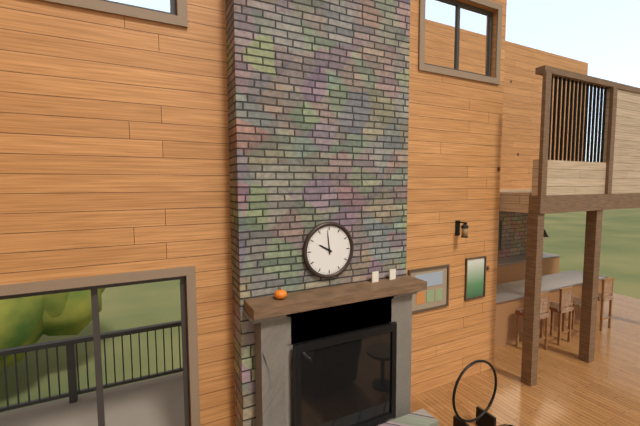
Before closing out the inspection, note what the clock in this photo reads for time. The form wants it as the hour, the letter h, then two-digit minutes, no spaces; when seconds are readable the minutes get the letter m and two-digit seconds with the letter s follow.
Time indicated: 9h59
